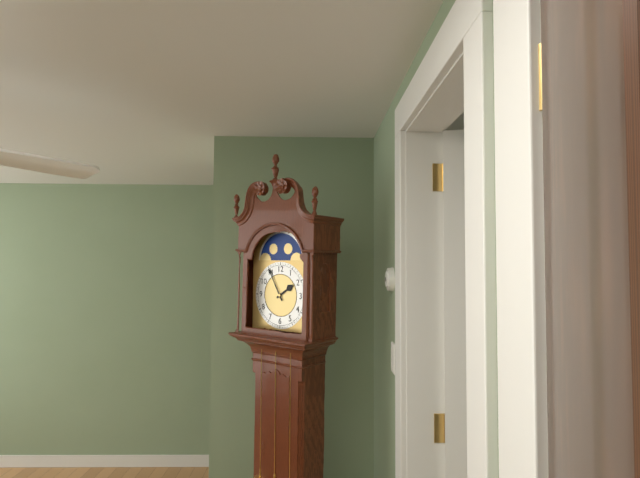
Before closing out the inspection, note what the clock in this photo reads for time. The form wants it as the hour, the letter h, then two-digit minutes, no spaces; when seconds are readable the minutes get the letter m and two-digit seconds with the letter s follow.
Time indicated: 1h55
